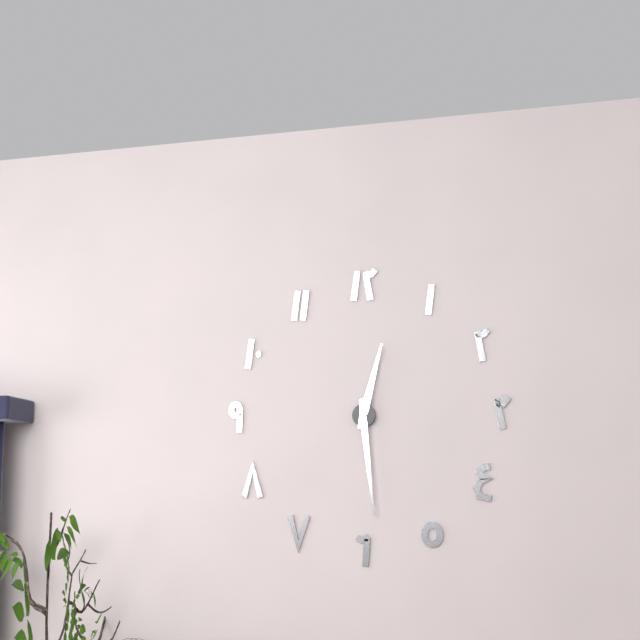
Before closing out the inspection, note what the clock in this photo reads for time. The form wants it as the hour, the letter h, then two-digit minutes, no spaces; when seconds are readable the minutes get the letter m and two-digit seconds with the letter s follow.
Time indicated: 12h29
